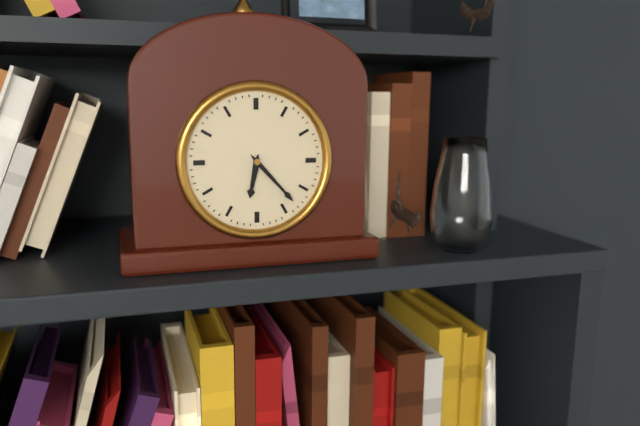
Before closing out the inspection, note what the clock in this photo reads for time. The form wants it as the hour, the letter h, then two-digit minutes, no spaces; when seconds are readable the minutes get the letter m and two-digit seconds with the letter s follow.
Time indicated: 6h23
